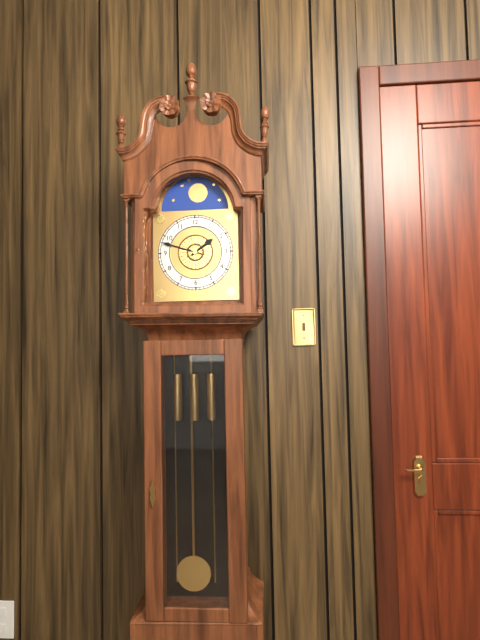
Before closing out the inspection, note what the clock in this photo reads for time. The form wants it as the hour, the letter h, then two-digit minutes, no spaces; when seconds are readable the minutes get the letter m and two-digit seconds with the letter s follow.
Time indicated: 1h48
